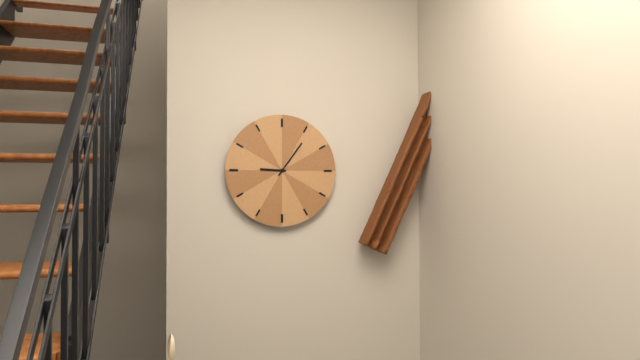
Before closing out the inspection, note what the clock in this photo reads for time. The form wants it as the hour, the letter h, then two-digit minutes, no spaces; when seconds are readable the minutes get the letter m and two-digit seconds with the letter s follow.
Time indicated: 9h06
